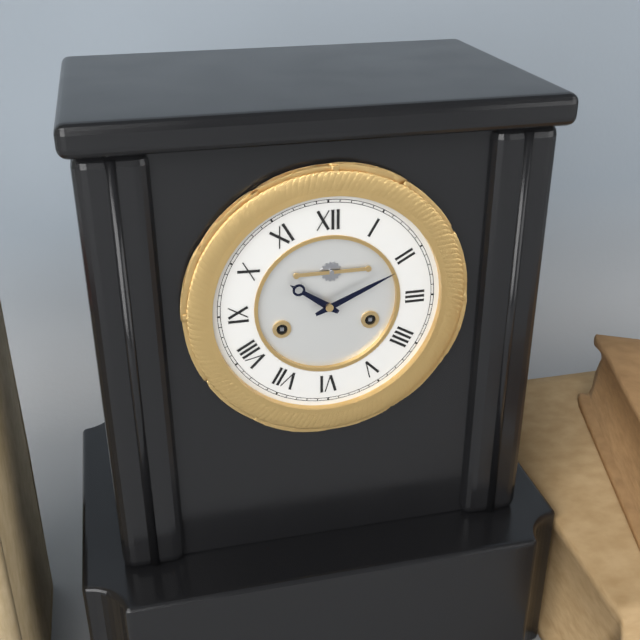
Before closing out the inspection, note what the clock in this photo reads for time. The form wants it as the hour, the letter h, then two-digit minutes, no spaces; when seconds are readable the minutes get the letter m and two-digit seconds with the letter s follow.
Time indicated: 10h11
